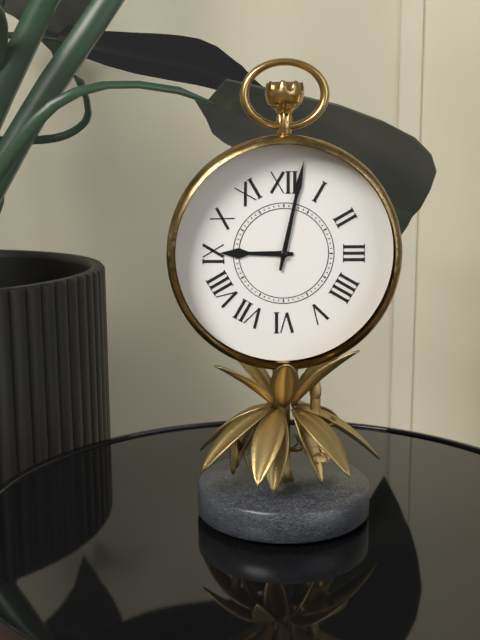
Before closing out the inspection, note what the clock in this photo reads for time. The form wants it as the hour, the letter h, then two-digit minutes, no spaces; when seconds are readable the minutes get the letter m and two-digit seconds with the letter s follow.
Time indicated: 9h02
